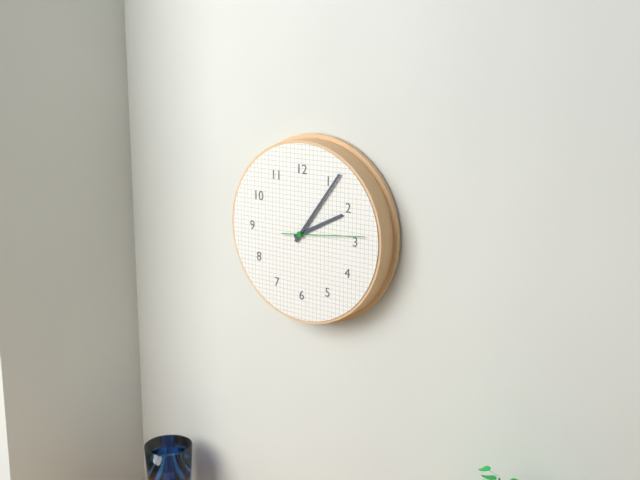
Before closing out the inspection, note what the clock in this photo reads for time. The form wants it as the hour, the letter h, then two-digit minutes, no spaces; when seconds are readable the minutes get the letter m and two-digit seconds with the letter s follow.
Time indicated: 2h06m14s
